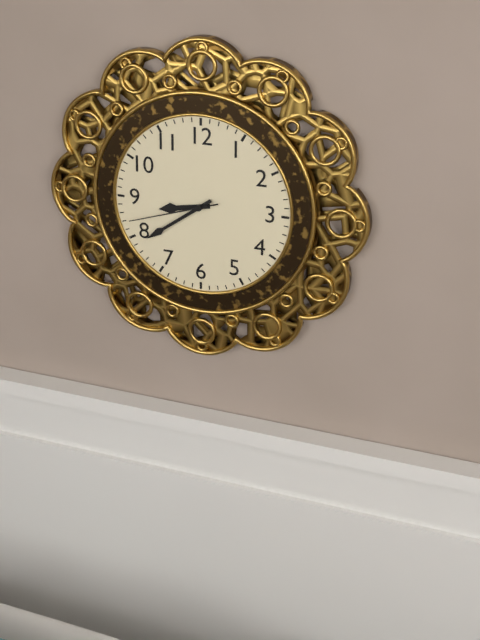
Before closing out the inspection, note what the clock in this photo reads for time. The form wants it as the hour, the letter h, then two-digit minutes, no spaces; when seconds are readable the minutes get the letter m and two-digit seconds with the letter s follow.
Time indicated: 8h39m42s
